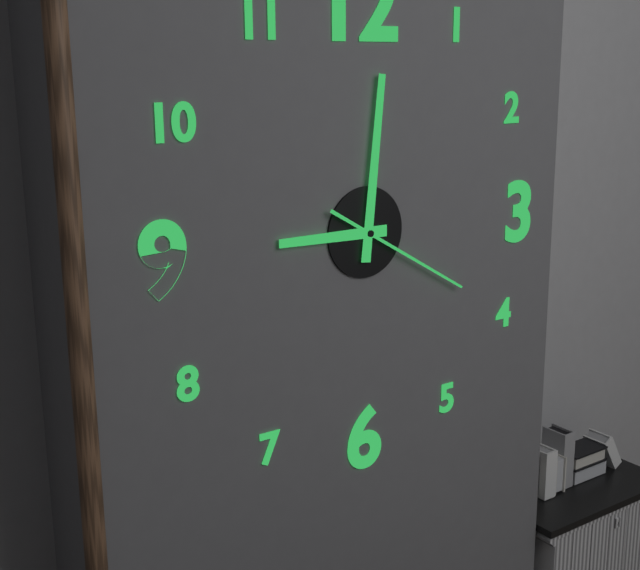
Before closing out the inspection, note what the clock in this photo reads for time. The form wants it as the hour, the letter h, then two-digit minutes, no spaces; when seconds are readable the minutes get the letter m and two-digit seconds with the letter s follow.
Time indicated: 9h01m20s
